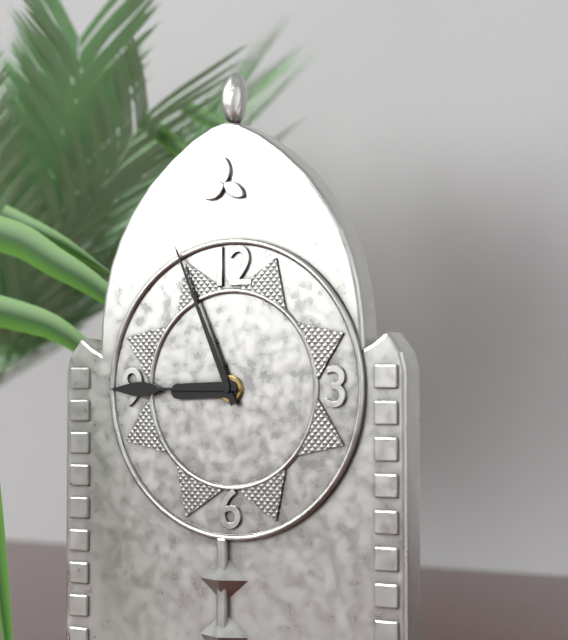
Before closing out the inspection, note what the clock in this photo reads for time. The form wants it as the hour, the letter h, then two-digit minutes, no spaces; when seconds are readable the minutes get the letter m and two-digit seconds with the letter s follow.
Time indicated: 8h56m45s
